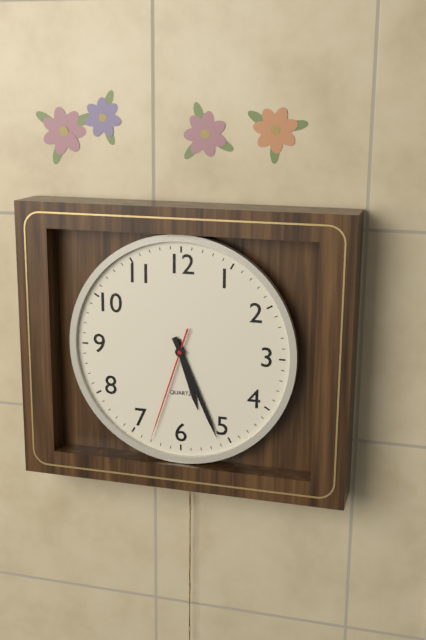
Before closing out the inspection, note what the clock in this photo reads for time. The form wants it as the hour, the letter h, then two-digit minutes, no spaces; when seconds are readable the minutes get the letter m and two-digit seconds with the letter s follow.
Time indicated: 5h26m33s
